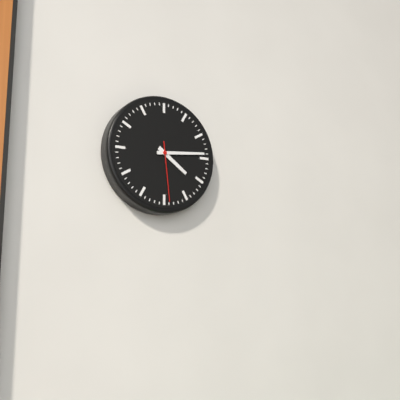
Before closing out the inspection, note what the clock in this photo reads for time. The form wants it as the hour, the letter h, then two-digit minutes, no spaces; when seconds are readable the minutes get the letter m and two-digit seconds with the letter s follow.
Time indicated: 4h14m29s
